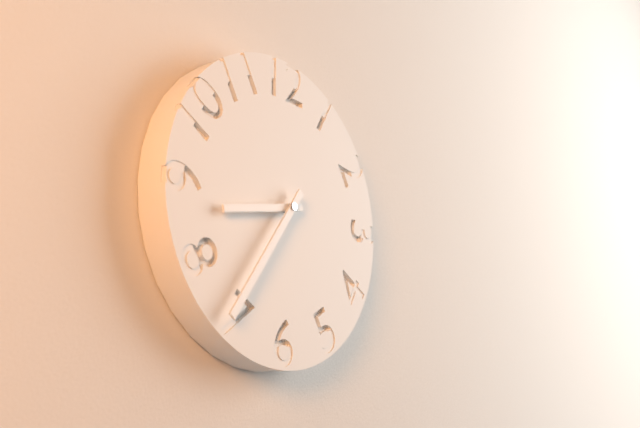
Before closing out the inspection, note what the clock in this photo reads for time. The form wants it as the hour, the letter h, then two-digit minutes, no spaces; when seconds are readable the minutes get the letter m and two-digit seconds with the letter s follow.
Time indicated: 8h36
